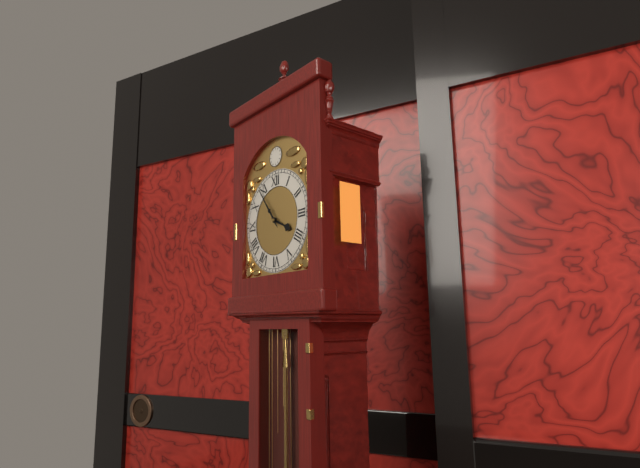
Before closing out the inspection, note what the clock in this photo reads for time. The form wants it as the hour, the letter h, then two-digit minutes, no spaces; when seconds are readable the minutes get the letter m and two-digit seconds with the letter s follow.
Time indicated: 3h54
